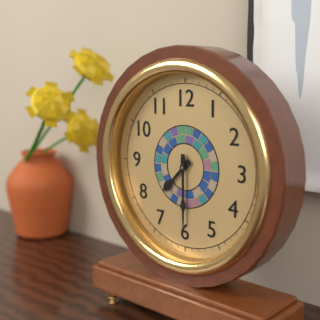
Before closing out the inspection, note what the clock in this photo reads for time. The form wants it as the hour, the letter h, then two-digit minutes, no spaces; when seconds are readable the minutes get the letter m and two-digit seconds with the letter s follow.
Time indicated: 7h30
